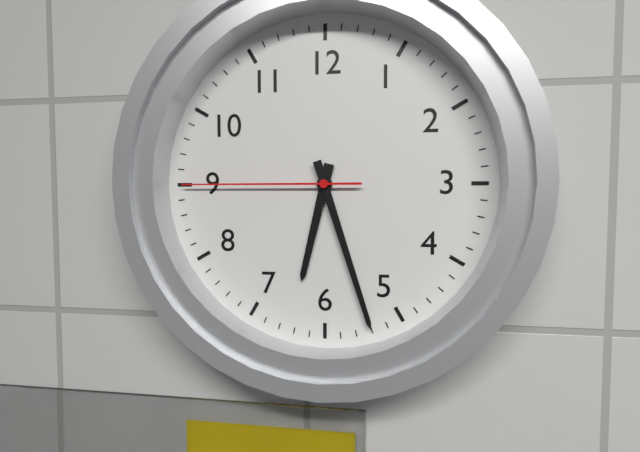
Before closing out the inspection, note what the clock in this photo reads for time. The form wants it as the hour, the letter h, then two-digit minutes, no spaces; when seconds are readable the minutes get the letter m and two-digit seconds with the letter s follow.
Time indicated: 6h27m45s
